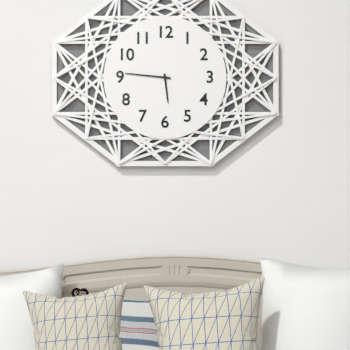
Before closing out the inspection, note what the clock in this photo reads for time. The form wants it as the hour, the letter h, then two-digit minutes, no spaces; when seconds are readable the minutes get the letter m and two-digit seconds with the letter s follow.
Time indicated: 5h46
